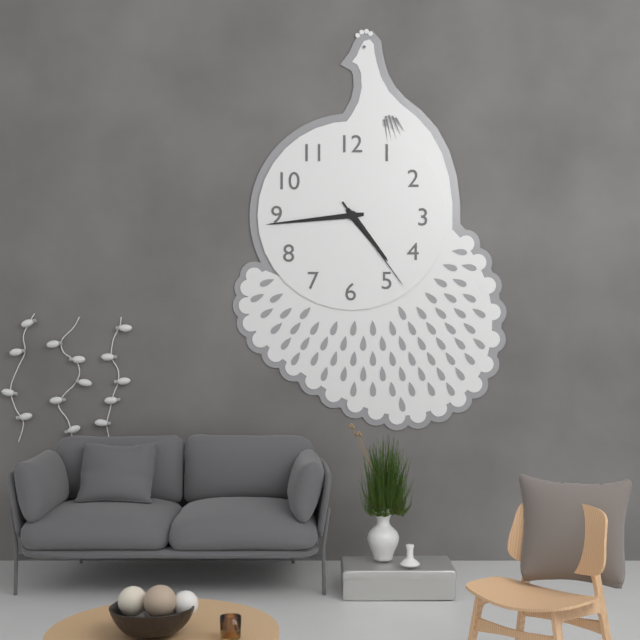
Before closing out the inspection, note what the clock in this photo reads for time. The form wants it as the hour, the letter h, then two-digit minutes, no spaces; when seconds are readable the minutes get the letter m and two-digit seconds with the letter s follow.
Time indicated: 4h44m24s
